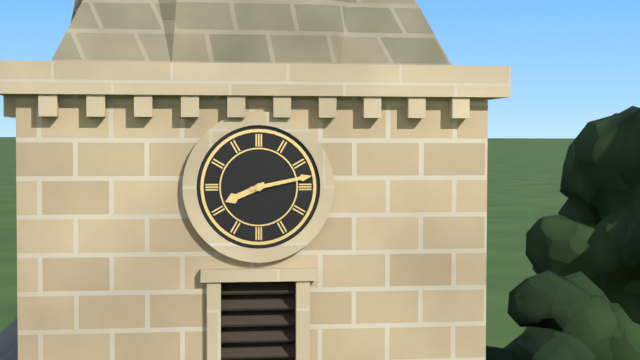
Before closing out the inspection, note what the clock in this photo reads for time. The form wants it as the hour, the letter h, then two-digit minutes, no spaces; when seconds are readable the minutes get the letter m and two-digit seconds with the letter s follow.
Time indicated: 8h13
